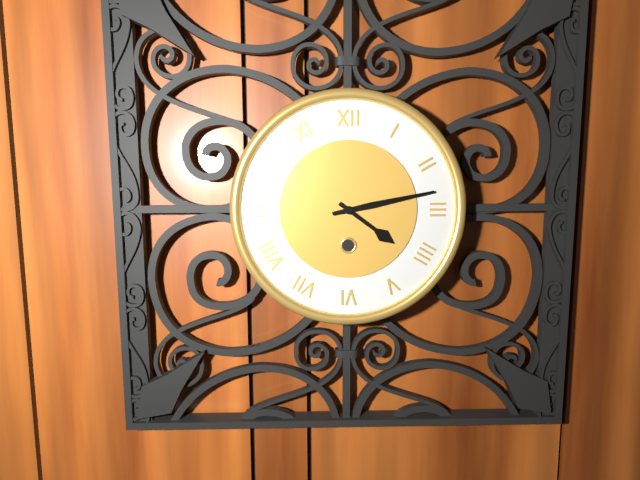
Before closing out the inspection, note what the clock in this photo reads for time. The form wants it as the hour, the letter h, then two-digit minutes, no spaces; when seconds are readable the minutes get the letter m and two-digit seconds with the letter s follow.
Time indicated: 4h13
